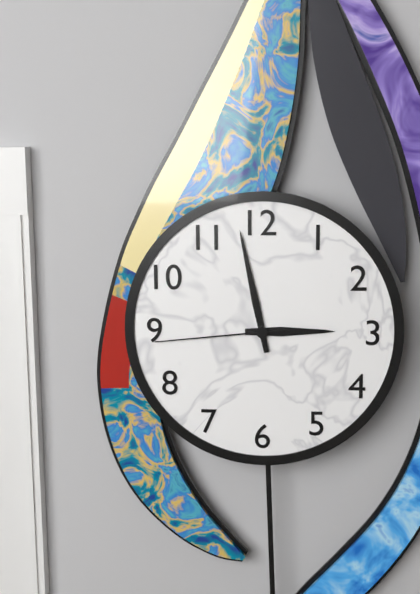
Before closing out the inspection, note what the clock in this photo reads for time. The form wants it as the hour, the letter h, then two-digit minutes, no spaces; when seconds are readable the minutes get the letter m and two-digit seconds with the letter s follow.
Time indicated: 2h58m44s
